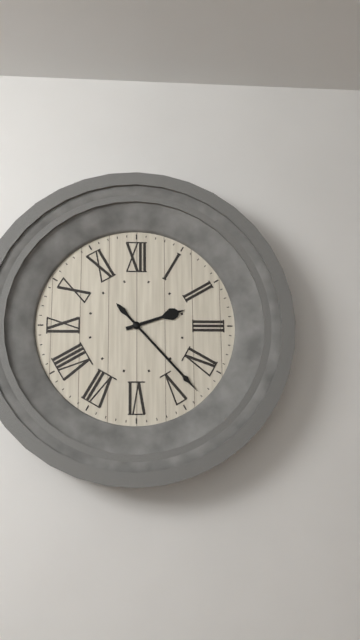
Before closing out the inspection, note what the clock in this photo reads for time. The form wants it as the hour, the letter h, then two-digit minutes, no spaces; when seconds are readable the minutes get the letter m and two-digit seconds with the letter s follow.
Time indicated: 2h23
